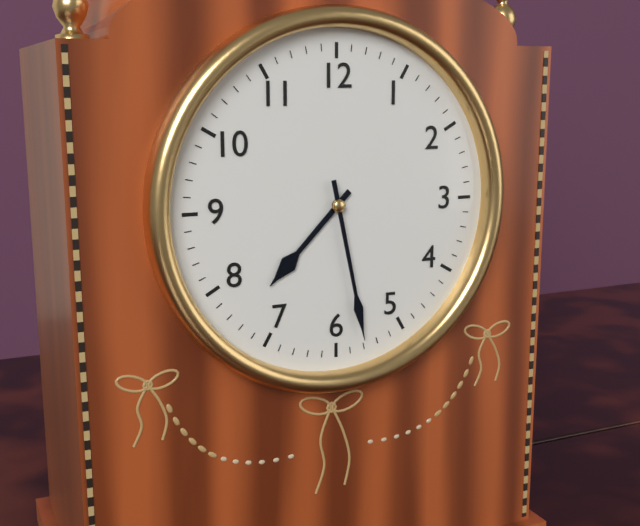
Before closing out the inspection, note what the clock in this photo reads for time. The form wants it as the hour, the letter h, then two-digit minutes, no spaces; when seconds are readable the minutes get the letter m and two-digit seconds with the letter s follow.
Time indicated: 7h28
